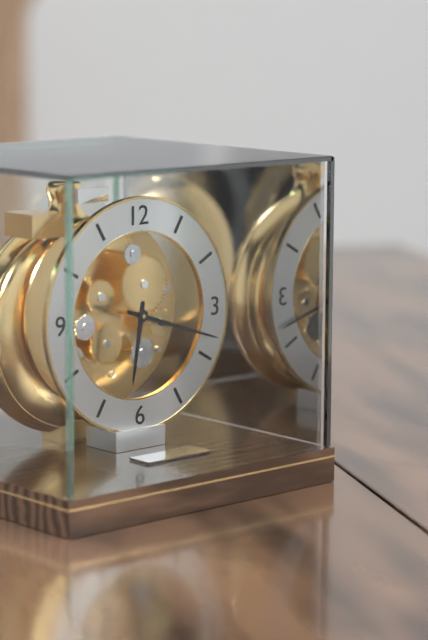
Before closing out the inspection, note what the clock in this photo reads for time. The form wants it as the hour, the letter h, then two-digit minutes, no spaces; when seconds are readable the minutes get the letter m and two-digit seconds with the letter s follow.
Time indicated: 6h18
